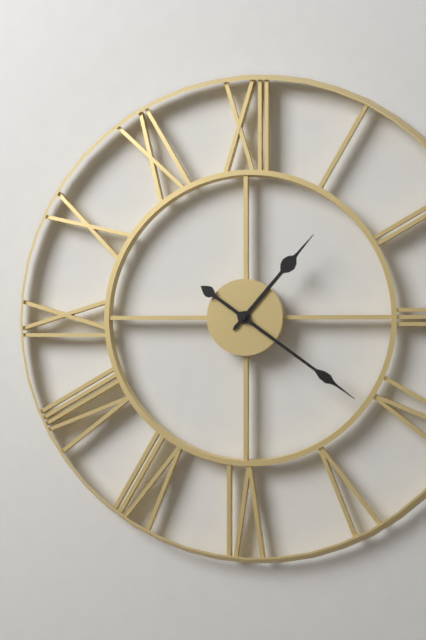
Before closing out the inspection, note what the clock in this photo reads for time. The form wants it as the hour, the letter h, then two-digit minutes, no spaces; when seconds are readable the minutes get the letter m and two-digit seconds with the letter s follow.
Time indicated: 1h21
